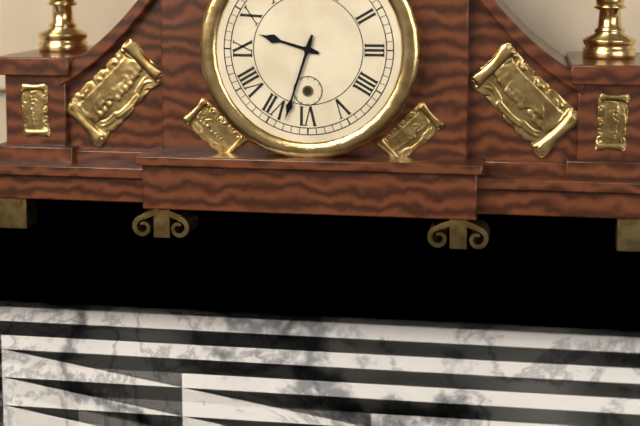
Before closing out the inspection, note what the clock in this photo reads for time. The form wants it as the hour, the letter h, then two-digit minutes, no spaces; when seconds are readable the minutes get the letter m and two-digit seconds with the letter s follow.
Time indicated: 9h33
